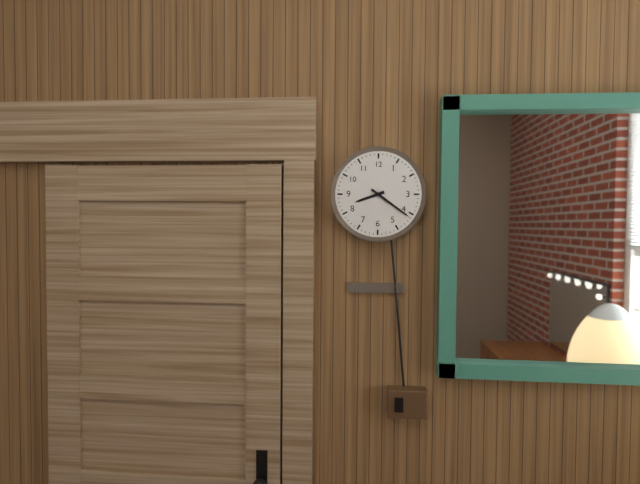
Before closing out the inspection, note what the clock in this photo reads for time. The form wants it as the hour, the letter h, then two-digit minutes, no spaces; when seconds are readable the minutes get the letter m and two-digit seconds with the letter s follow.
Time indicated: 8h21
